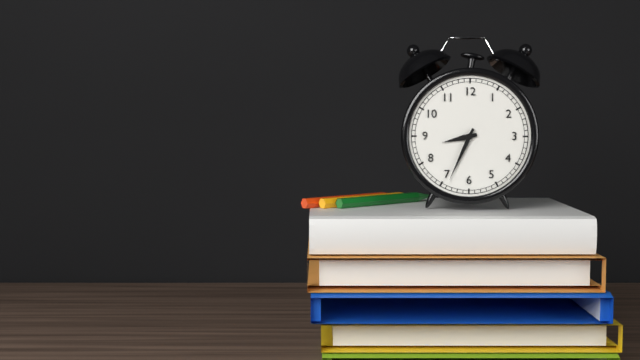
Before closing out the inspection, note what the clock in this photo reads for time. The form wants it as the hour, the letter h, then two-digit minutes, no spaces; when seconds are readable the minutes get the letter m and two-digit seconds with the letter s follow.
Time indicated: 8h34
